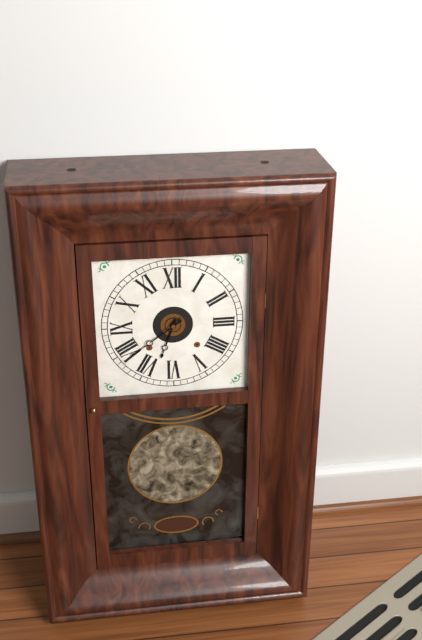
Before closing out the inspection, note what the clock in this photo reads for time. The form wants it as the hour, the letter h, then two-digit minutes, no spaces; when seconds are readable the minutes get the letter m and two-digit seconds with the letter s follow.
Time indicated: 6h39
